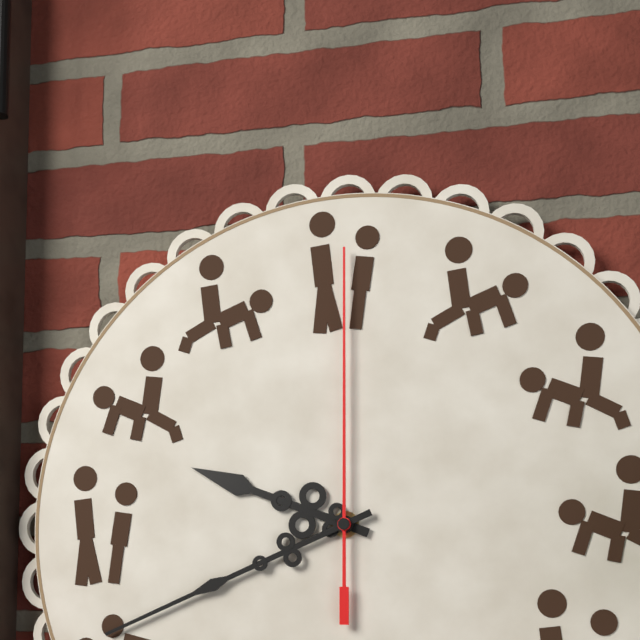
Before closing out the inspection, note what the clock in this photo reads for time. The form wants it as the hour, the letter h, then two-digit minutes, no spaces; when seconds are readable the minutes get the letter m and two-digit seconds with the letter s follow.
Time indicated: 9h41m00s
